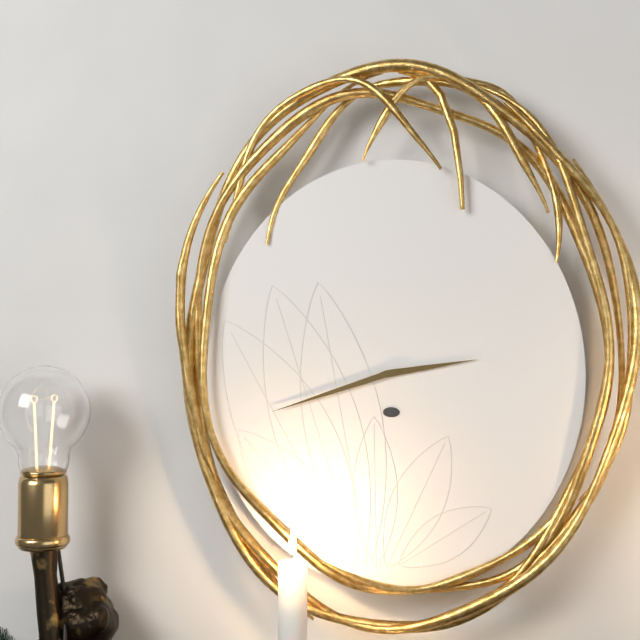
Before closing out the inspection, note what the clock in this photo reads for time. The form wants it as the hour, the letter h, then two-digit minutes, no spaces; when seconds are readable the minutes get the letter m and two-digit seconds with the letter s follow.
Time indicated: 2h42
